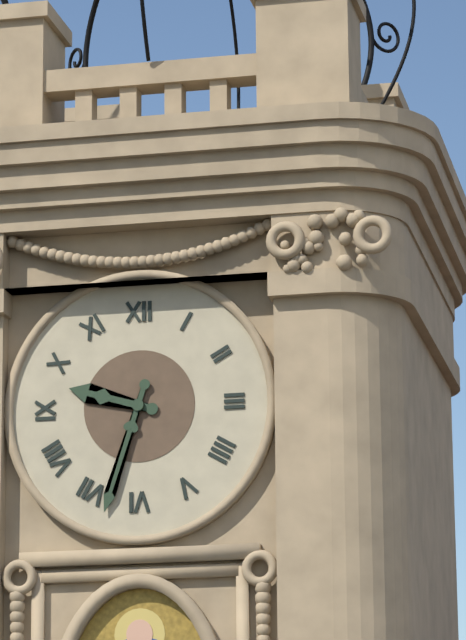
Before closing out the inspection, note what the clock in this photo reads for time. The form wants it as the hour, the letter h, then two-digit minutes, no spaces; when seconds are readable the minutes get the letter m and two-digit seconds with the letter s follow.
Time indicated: 9h33
